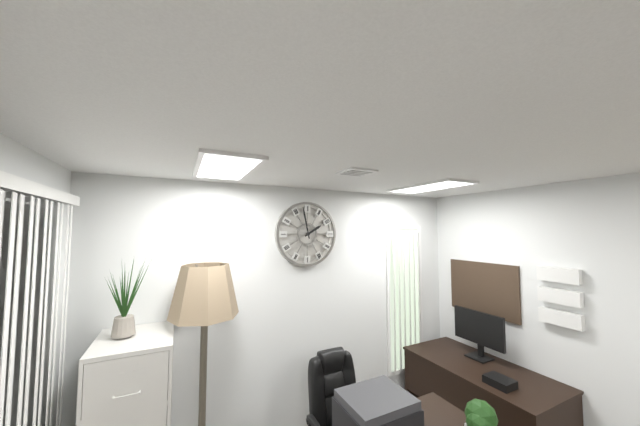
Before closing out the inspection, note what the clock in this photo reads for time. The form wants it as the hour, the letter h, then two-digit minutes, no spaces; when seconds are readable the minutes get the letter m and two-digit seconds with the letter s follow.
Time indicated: 1h58
